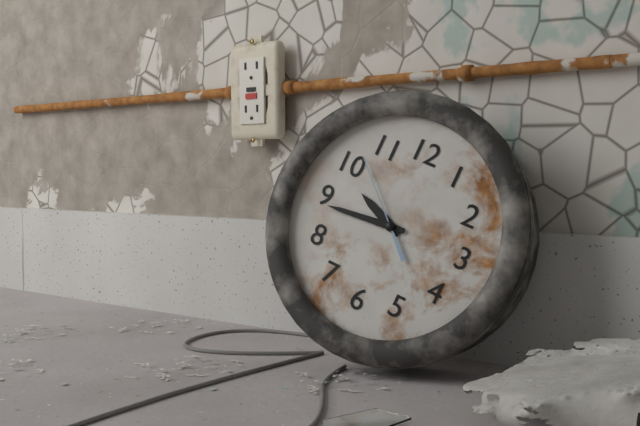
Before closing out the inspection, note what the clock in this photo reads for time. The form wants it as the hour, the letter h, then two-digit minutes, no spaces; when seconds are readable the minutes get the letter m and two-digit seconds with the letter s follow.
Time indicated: 9h44m52s
